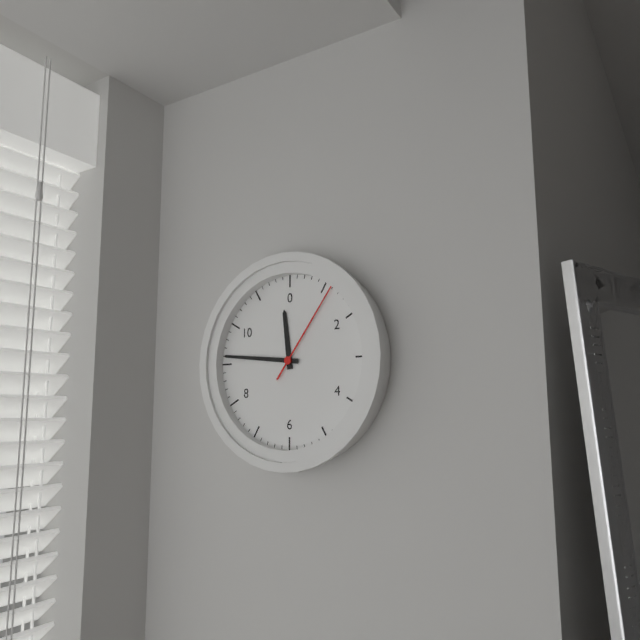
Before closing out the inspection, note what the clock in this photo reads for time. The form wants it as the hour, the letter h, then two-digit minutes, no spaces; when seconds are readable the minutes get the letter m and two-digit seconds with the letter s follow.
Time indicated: 11h46m06s
